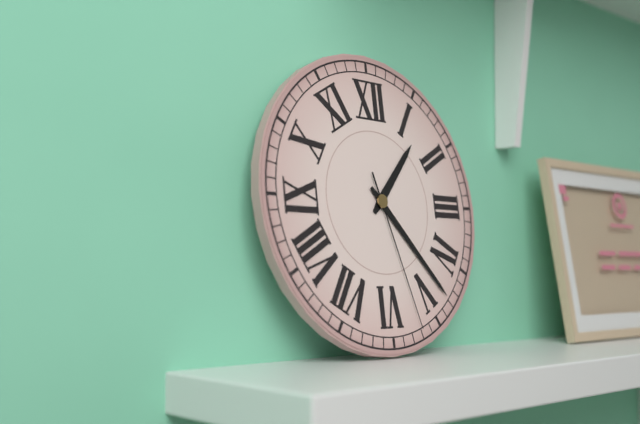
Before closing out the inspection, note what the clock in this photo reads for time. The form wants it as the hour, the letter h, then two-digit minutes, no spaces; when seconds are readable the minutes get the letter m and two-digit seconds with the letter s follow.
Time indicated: 1h23m27s
